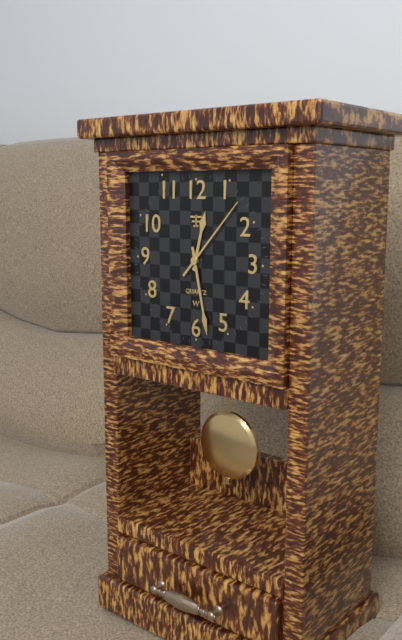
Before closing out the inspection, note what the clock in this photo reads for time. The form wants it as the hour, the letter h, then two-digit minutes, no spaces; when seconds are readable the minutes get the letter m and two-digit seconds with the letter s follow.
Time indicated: 12h28m07s
